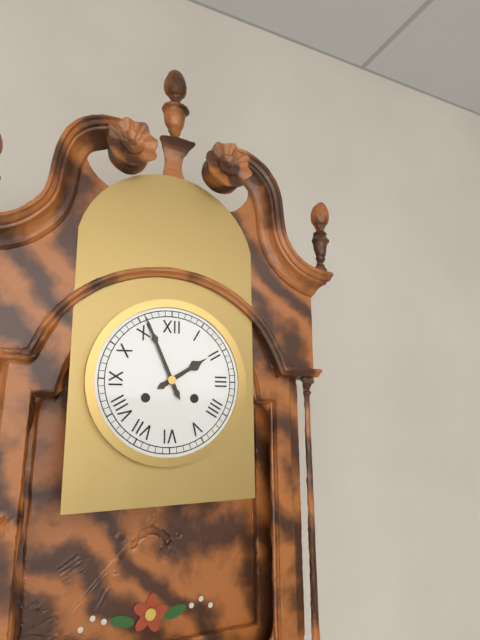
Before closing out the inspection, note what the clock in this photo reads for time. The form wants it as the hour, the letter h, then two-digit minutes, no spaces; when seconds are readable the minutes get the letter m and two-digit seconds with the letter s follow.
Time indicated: 1h56
